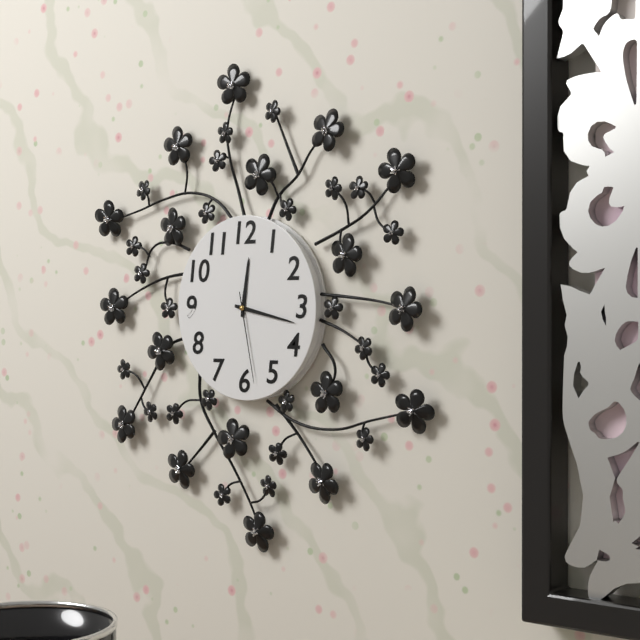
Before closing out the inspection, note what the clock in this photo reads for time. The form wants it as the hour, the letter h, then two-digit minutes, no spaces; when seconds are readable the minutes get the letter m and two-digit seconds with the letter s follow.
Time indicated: 12h17m28s
